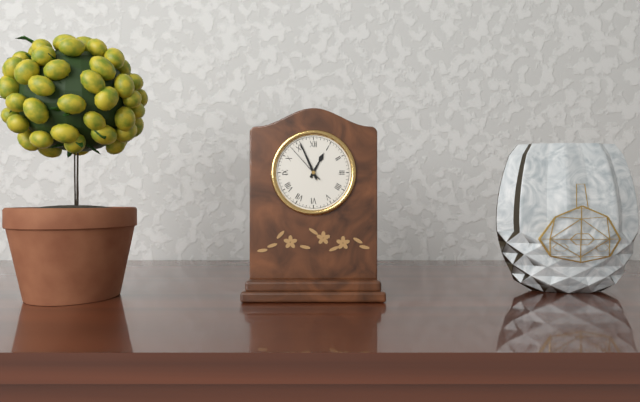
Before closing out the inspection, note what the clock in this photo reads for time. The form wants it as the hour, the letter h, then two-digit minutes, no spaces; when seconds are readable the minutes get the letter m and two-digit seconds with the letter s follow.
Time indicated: 12h56
